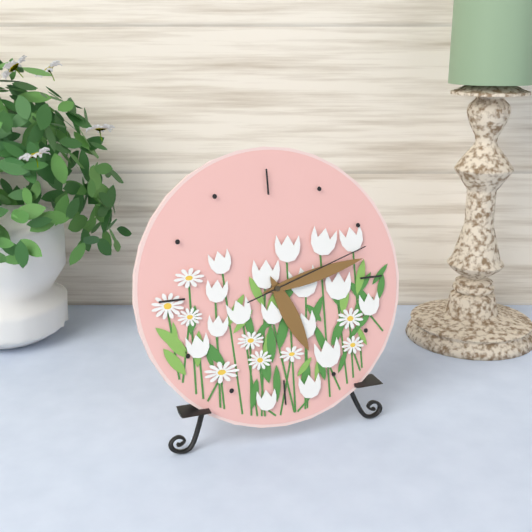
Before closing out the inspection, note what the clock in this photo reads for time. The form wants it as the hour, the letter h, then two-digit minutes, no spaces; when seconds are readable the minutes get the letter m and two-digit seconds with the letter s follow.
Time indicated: 5h13m12s
